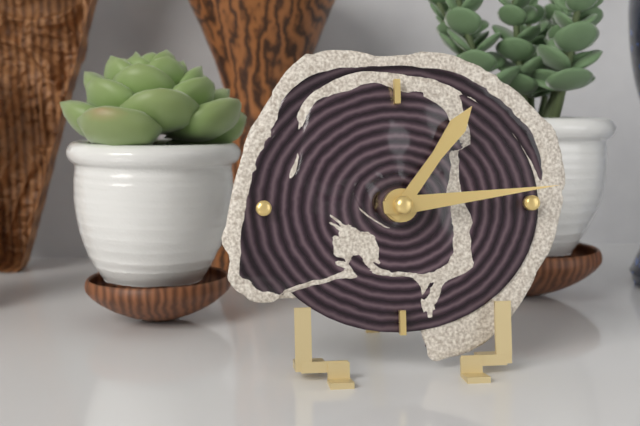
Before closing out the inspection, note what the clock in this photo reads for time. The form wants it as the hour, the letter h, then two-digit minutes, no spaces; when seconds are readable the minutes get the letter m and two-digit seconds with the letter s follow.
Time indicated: 1h14
